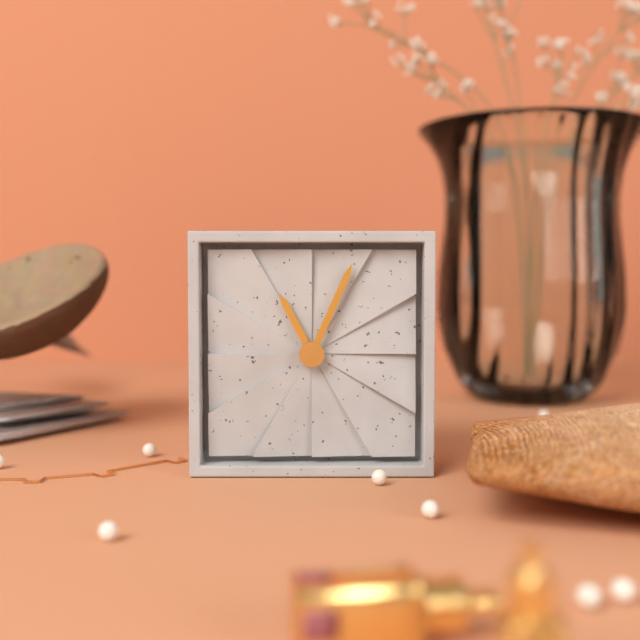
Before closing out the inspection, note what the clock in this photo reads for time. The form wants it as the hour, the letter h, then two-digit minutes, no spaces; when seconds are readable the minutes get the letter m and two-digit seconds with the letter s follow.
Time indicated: 11h04
